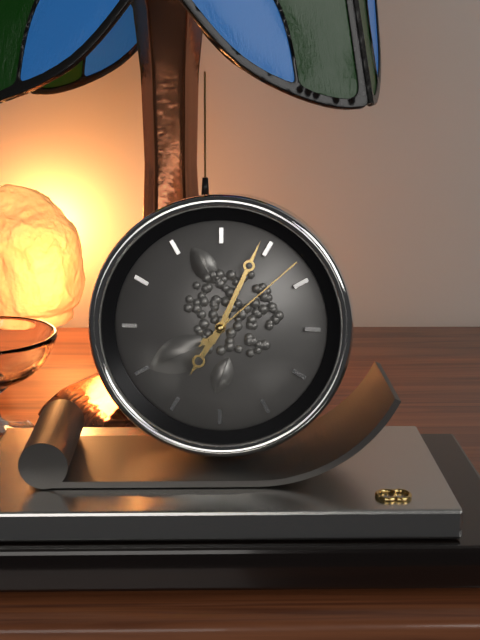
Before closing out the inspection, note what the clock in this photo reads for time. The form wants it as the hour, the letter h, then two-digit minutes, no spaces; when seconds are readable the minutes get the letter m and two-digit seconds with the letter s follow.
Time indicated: 7h04m08s
